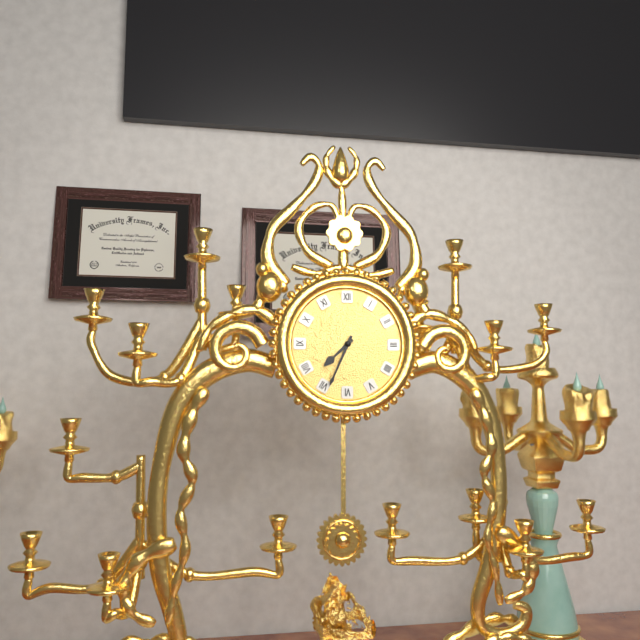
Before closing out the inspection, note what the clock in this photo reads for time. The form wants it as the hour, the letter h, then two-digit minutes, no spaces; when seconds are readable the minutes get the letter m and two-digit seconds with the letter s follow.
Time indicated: 7h34
